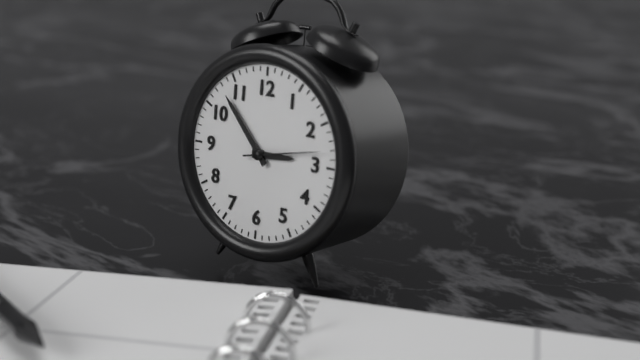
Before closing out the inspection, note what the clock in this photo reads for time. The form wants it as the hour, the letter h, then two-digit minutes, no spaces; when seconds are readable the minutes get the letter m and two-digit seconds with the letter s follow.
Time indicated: 2h53
